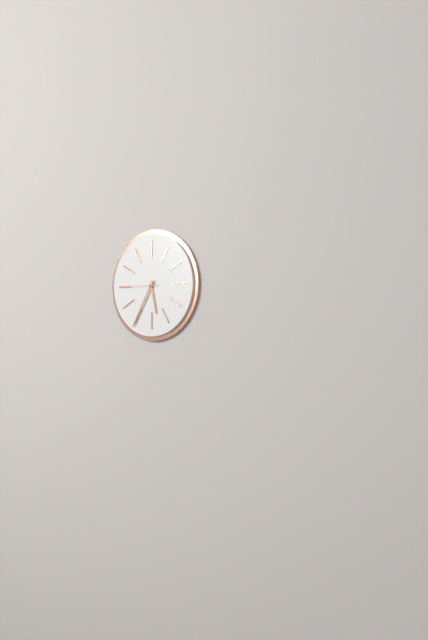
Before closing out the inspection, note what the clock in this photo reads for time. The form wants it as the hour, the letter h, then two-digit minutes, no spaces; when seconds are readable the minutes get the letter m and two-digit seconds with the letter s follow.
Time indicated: 5h35
